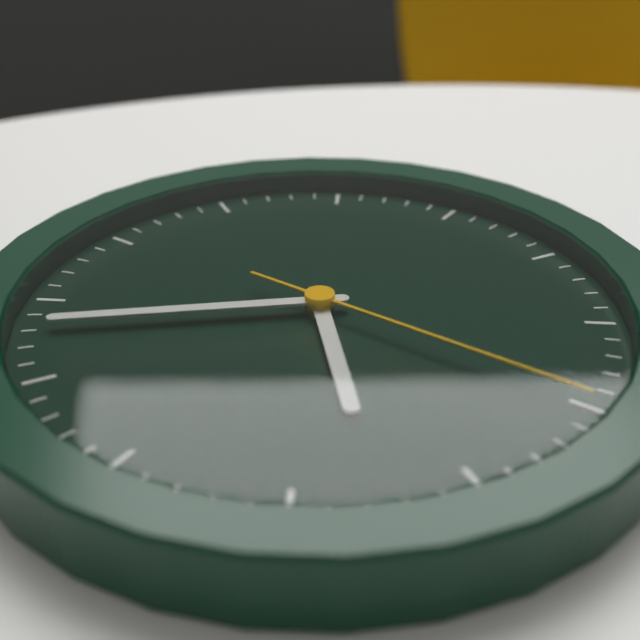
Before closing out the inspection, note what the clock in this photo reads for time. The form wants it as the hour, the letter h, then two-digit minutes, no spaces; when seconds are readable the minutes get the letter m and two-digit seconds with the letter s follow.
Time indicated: 3h33m10s
